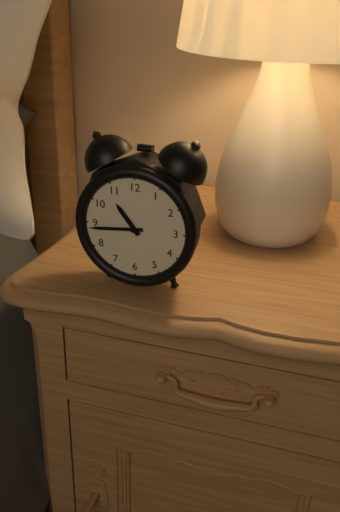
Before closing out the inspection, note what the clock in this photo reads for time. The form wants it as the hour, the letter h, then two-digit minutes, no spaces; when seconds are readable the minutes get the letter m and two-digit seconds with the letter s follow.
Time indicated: 10h44
